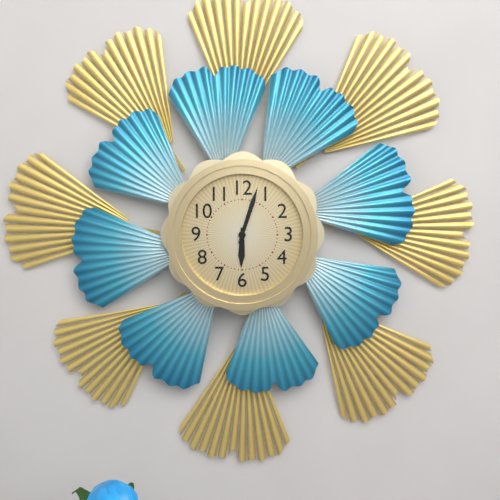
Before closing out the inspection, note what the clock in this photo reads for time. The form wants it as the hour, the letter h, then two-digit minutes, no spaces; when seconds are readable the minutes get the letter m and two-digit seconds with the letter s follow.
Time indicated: 6h03
